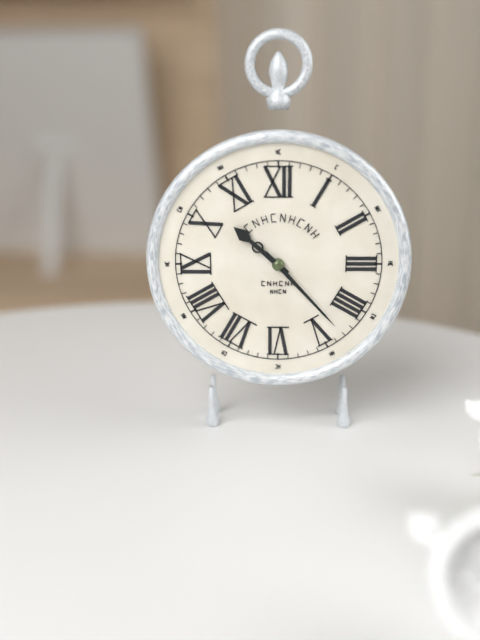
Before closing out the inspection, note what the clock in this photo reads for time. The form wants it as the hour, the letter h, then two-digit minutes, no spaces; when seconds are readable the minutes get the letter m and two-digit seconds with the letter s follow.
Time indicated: 10h23
